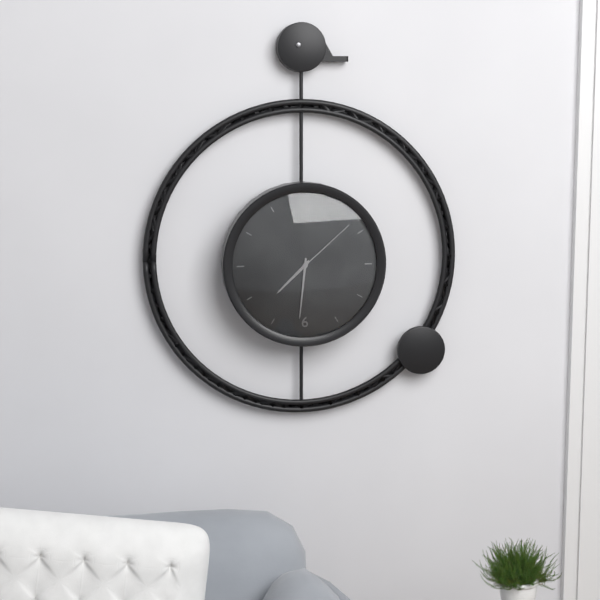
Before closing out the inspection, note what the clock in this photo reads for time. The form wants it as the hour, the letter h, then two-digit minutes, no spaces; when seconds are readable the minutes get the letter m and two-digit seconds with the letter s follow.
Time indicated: 7h31m08s
